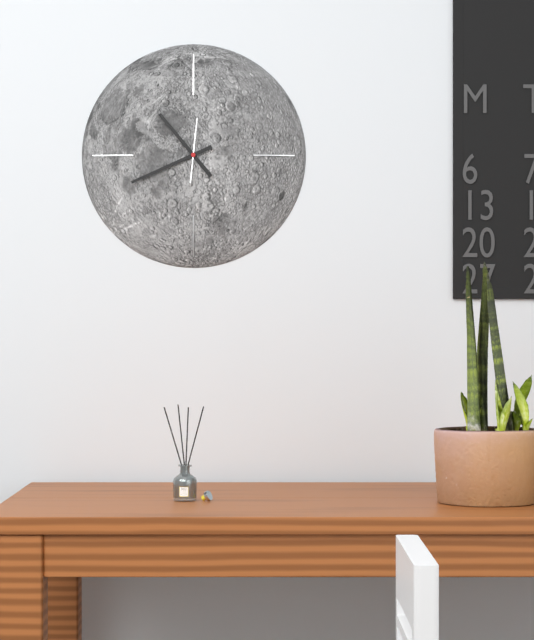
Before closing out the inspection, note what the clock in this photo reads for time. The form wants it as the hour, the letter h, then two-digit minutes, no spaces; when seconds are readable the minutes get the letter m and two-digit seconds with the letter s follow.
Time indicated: 10h41
